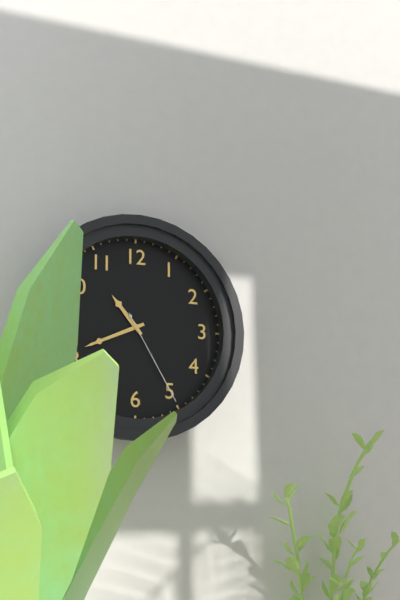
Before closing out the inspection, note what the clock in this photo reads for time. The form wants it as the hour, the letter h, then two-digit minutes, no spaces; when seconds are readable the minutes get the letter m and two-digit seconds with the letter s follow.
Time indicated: 10h41m25s
